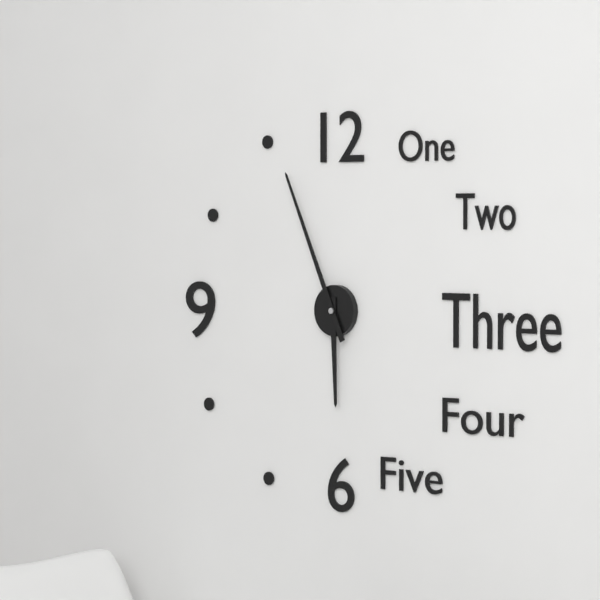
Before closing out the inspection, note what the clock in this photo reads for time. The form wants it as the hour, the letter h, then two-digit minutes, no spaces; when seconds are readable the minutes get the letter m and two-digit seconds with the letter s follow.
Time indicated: 5h56
